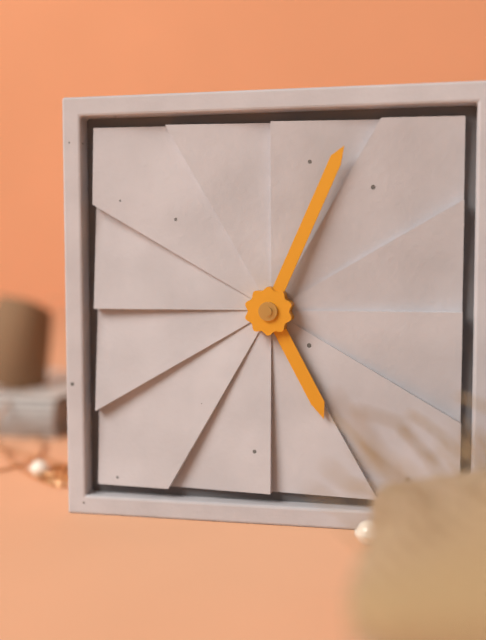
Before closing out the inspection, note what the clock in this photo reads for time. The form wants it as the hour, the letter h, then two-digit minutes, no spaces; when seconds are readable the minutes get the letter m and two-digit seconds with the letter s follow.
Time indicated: 5h04
